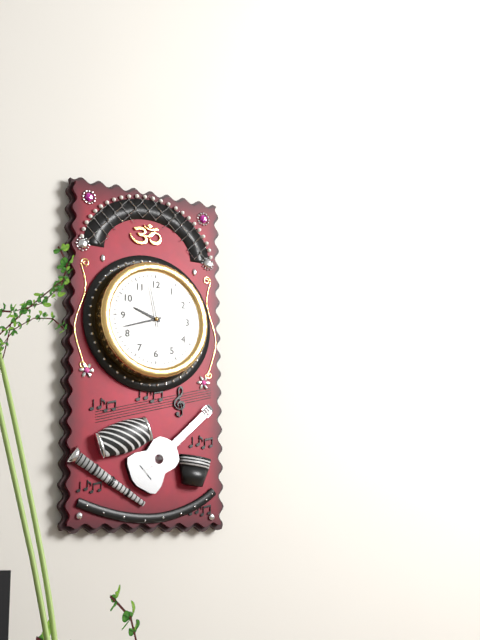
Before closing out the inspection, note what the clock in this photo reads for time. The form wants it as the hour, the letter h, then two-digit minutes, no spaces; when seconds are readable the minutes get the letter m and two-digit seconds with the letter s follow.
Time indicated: 9h42
